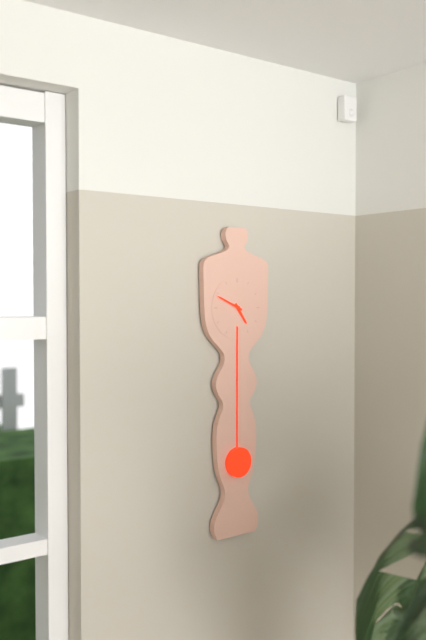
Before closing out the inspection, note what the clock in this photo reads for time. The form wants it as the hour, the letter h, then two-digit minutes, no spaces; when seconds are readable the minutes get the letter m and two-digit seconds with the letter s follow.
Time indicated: 4h49
